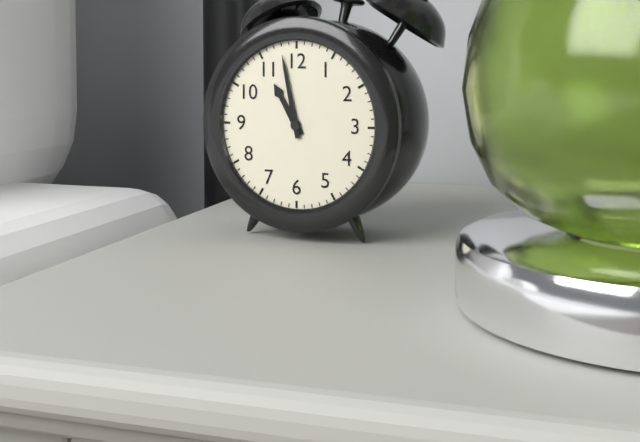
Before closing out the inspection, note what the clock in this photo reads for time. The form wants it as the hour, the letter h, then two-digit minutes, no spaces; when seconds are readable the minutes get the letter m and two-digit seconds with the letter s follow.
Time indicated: 10h58
